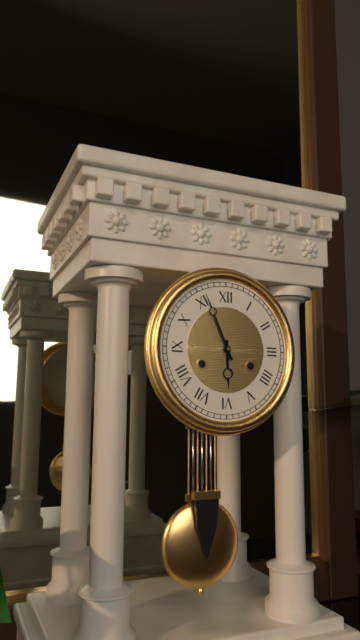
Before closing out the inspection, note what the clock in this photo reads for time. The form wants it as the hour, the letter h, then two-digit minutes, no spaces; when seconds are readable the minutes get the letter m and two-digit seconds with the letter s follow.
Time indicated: 5h56
